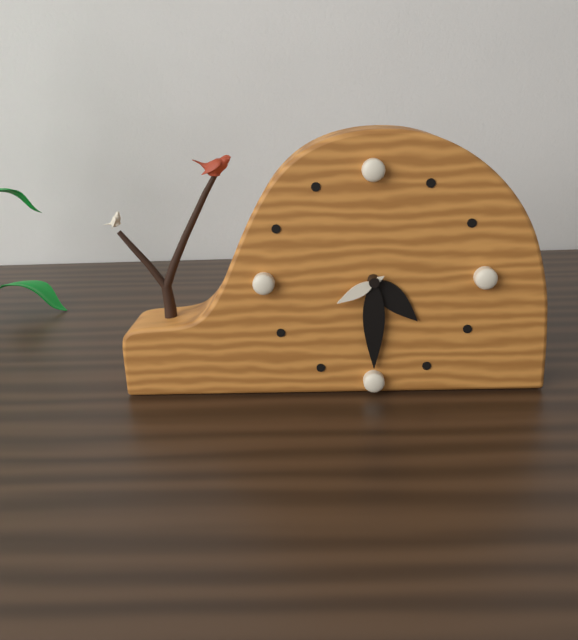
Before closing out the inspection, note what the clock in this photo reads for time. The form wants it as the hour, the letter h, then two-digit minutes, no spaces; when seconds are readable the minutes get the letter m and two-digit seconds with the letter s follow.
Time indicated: 4h30m40s
